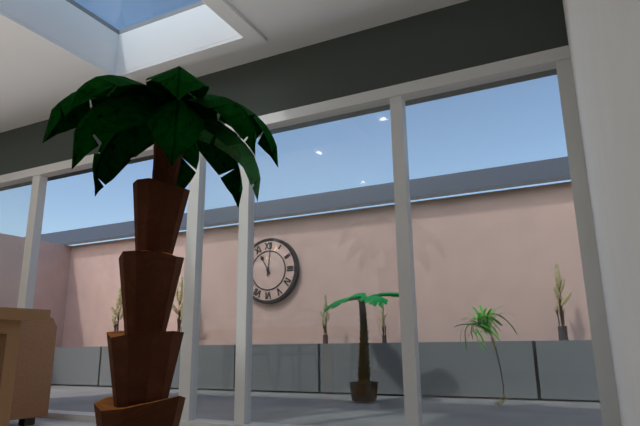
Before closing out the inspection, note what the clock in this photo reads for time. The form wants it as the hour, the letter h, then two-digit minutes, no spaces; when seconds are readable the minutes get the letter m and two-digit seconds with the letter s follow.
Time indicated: 11h01
